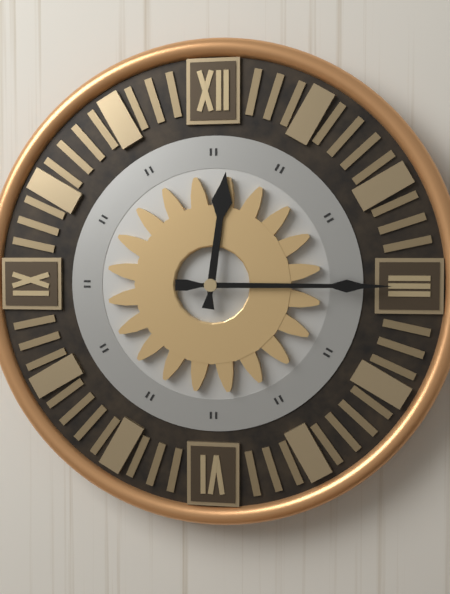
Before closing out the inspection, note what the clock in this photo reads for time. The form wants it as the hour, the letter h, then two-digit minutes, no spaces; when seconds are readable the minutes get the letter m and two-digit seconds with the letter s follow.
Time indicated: 12h15
